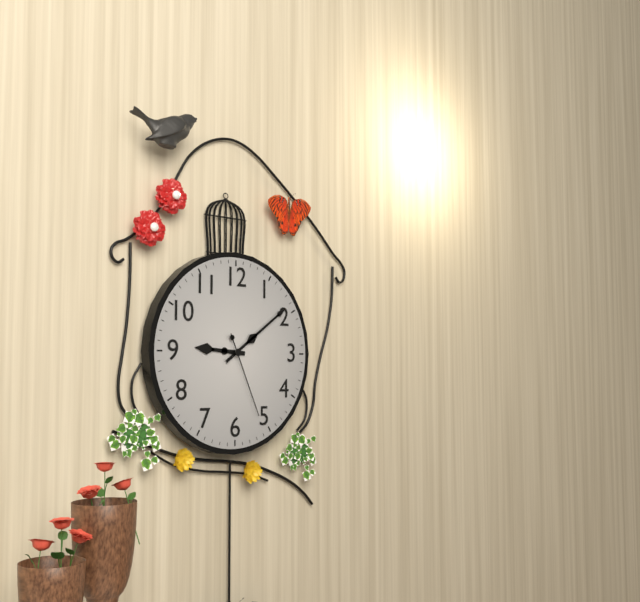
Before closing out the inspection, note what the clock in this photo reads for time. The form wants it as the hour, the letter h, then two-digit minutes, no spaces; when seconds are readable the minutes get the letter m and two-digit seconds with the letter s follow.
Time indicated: 9h09m26s
